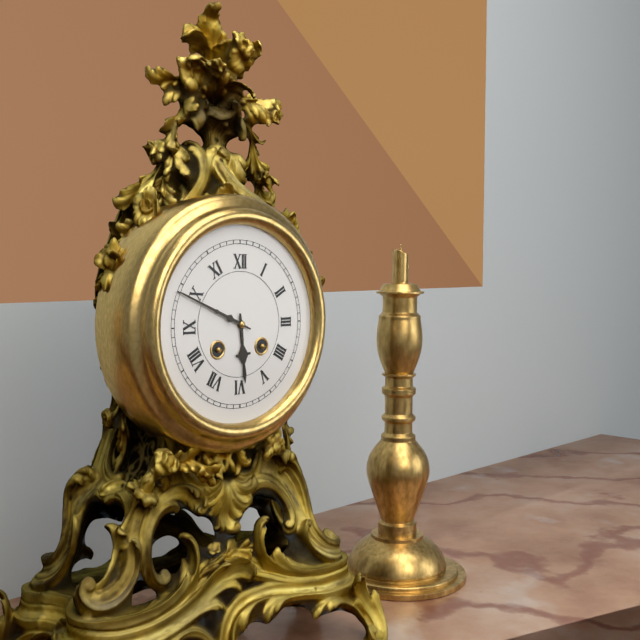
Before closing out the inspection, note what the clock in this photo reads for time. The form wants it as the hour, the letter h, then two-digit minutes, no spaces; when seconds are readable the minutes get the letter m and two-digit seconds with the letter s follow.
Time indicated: 5h49
